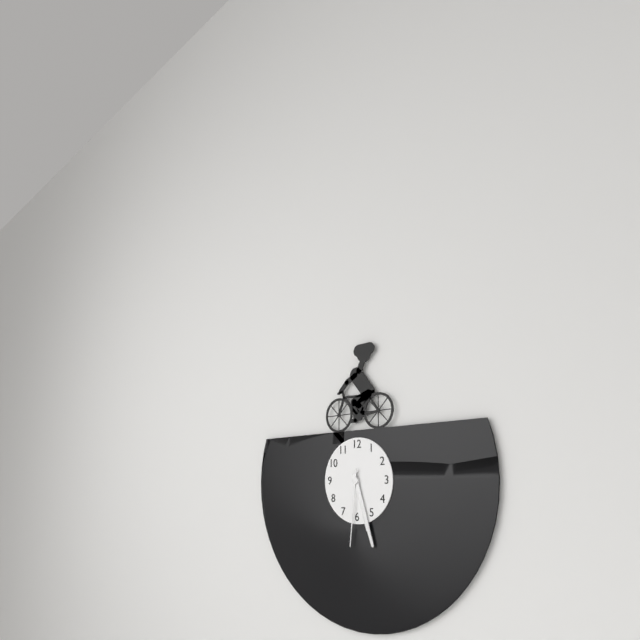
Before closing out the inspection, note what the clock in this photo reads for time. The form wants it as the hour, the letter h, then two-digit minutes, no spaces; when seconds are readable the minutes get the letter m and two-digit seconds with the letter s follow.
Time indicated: 5h27m31s
